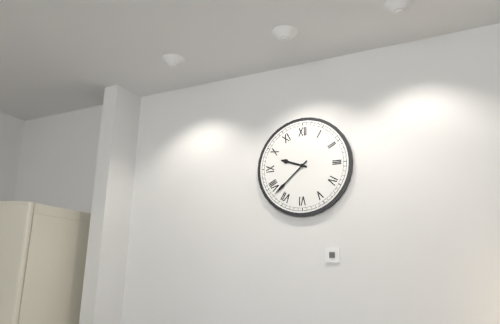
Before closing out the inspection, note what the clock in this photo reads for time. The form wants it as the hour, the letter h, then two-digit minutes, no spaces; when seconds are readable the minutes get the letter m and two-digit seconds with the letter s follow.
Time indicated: 9h38
